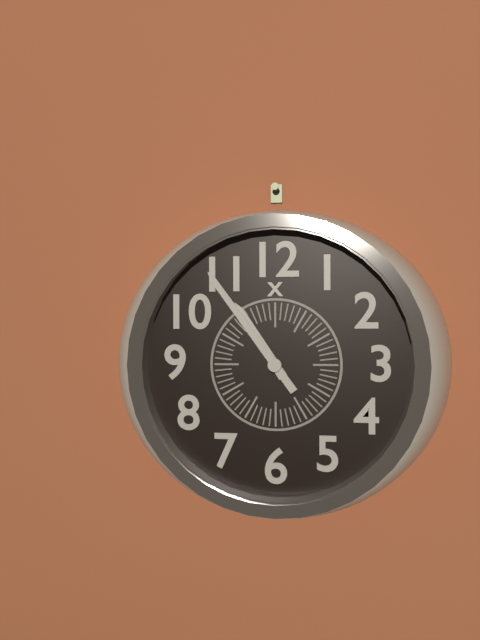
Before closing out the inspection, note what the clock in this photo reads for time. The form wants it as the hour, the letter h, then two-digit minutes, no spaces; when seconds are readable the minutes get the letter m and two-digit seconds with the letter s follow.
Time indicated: 10h54
